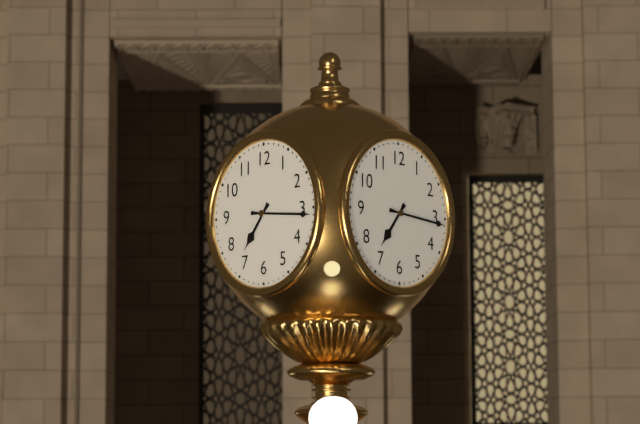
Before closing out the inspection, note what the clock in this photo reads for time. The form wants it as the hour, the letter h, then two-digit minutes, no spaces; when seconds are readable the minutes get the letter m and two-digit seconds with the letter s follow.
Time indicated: 7h16
